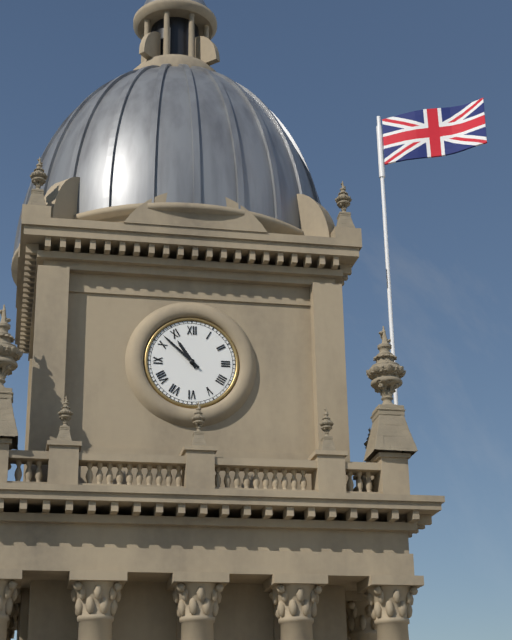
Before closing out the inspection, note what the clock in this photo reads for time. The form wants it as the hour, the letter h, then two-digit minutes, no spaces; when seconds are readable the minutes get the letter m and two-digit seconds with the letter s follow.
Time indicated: 10h52
